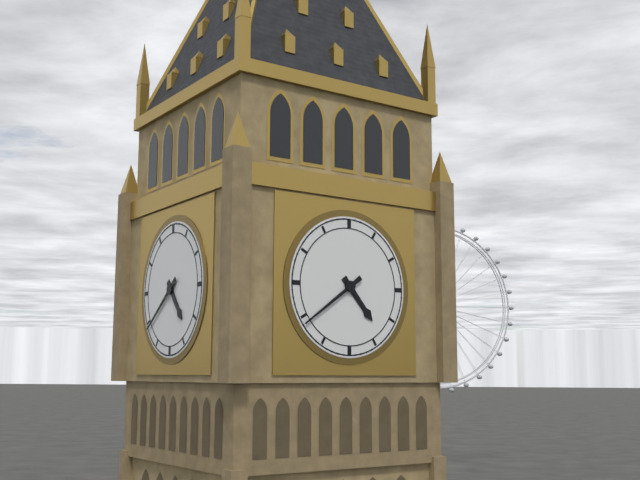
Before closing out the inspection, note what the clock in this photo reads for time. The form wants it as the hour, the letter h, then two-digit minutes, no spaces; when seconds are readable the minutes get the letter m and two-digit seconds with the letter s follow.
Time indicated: 4h39
